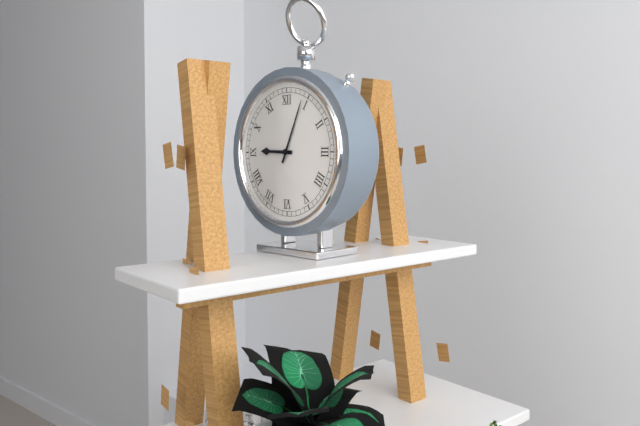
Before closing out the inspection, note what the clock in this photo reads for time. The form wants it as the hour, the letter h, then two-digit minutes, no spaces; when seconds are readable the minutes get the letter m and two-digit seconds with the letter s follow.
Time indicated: 9h04
